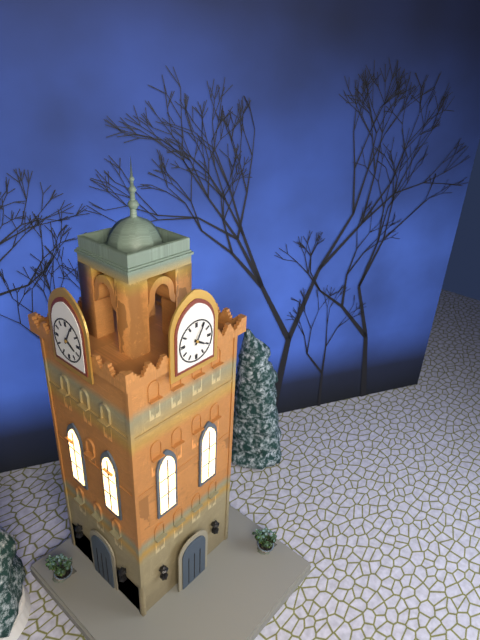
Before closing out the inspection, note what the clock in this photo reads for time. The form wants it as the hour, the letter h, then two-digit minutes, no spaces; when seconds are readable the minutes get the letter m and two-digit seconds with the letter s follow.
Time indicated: 4h05
